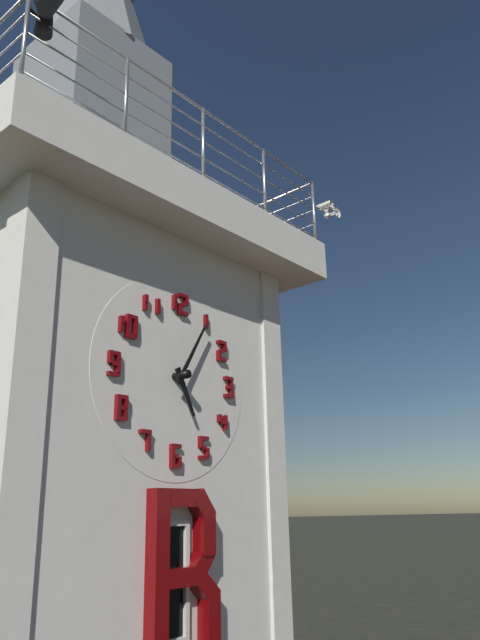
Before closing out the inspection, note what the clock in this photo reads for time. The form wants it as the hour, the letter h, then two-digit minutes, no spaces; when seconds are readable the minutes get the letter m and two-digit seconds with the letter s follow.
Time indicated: 5h05
